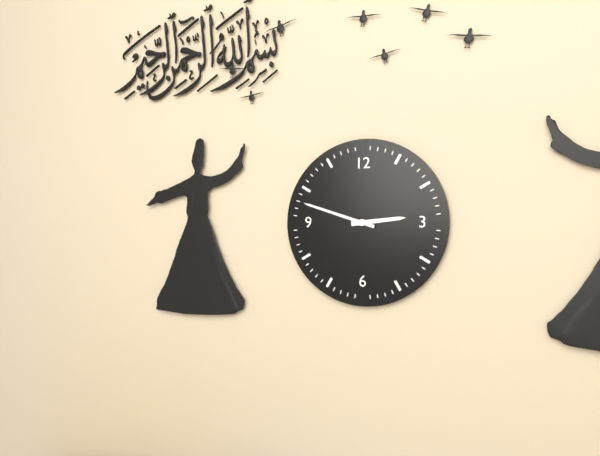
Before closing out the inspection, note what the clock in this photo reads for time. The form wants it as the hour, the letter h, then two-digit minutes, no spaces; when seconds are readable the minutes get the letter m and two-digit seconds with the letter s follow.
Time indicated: 2h48
